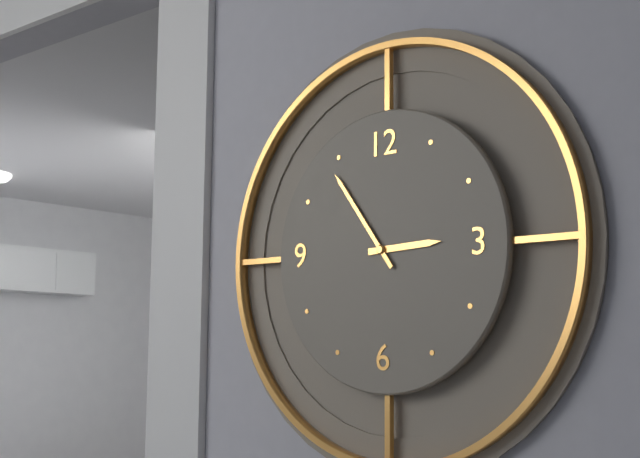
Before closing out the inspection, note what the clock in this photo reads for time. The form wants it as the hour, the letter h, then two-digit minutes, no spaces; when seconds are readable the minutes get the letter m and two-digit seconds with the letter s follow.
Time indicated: 2h54
